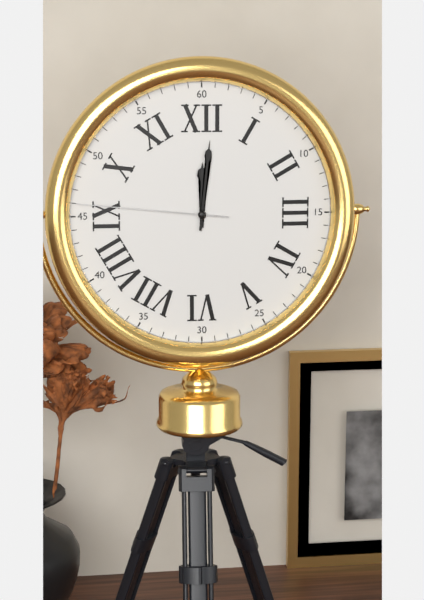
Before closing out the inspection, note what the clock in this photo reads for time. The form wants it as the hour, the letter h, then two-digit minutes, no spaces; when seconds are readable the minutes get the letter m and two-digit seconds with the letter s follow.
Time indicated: 12h01m46s
